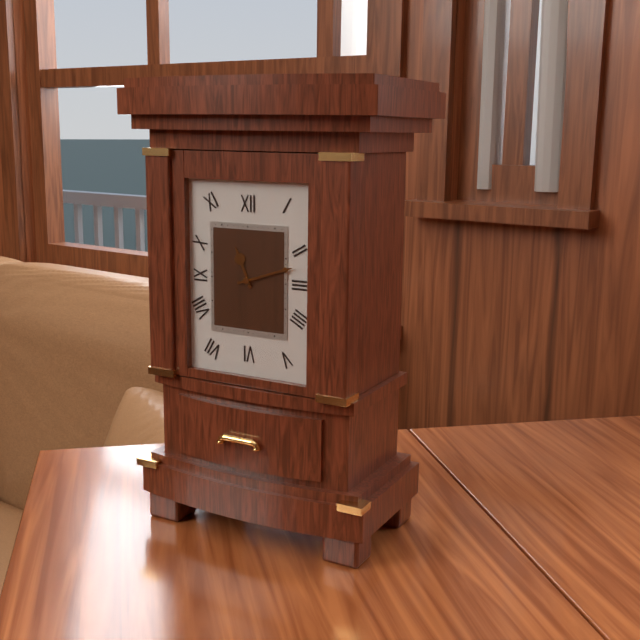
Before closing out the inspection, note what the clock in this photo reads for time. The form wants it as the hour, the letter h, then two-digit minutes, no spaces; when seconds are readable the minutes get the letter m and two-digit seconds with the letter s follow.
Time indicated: 11h12
